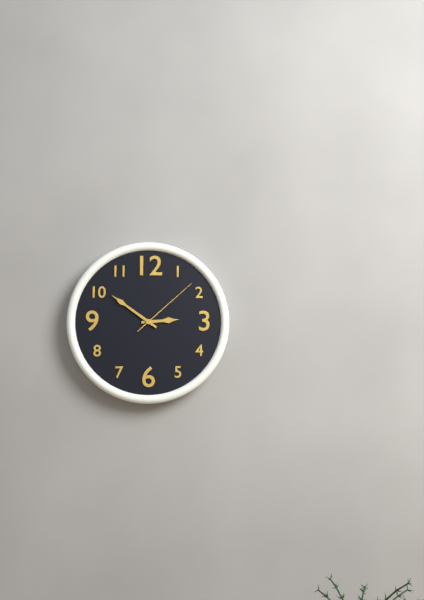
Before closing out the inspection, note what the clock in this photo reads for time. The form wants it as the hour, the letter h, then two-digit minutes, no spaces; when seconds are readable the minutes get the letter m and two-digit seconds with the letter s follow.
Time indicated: 2h51m08s
